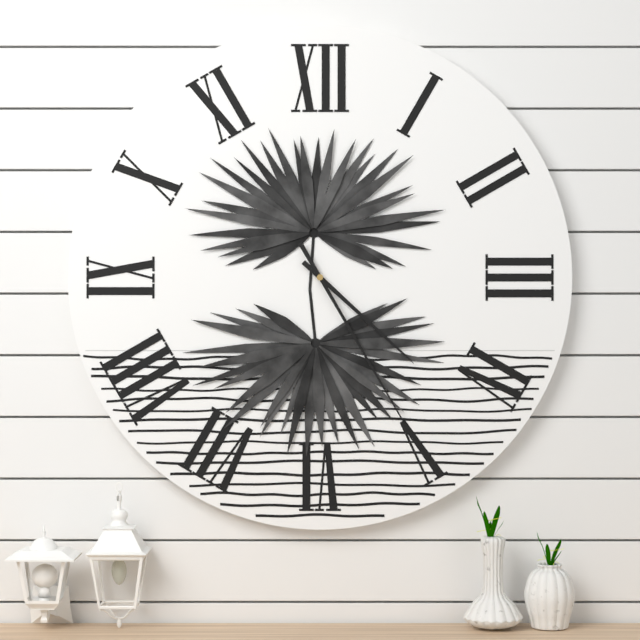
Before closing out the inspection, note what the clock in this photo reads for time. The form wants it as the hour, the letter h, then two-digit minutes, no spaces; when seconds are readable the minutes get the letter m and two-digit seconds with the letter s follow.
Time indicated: 4h25
